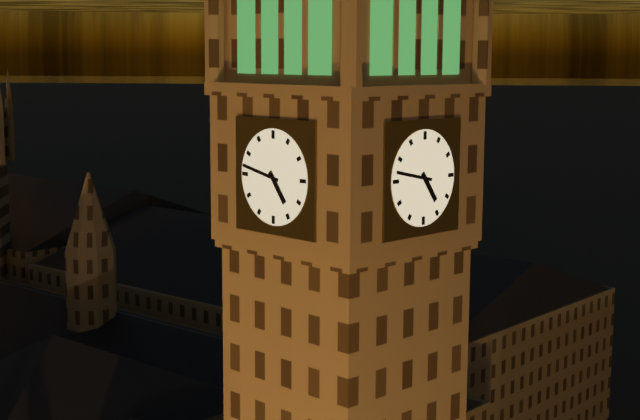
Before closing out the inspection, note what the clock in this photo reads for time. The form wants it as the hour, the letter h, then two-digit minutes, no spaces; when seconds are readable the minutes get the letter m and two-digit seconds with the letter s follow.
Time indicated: 4h47
